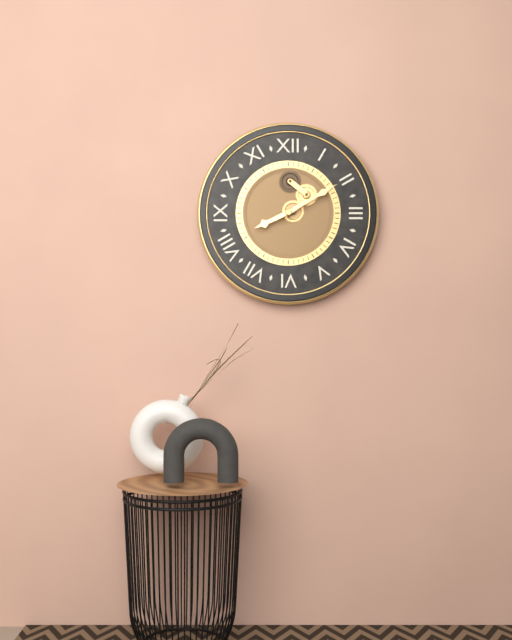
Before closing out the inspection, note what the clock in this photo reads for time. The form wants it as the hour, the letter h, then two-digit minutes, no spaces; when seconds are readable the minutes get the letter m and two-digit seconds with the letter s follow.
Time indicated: 8h10
